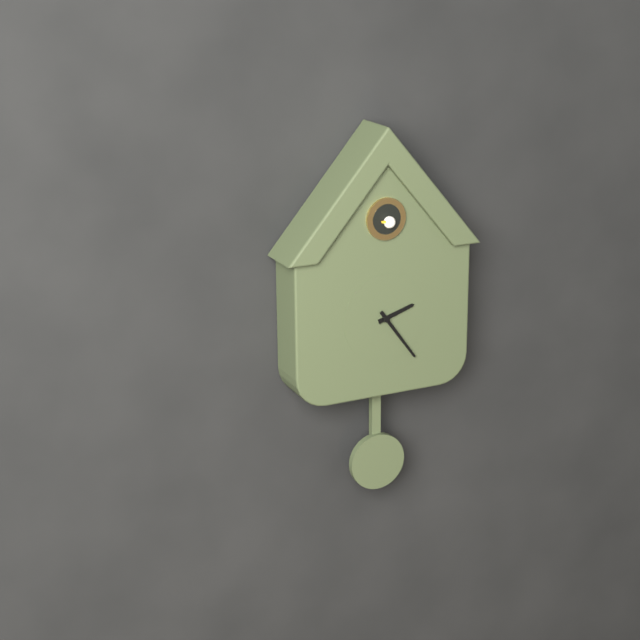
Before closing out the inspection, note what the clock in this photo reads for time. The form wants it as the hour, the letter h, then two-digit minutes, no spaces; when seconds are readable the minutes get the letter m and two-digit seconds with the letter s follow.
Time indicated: 2h24
